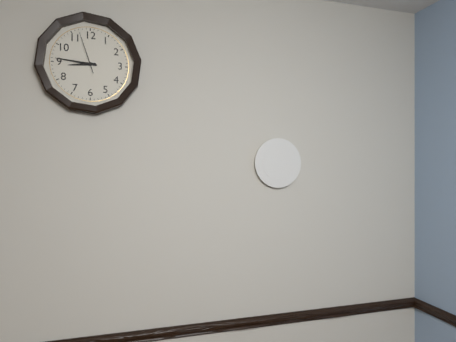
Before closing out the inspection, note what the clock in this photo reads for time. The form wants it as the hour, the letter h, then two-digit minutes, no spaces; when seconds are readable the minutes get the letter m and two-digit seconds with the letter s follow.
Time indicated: 8h46
